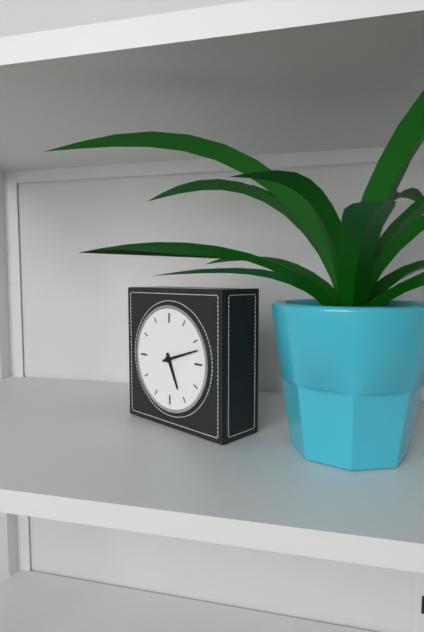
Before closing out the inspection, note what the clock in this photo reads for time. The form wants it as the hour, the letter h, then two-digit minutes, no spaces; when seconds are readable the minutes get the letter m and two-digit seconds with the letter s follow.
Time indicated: 5h12
